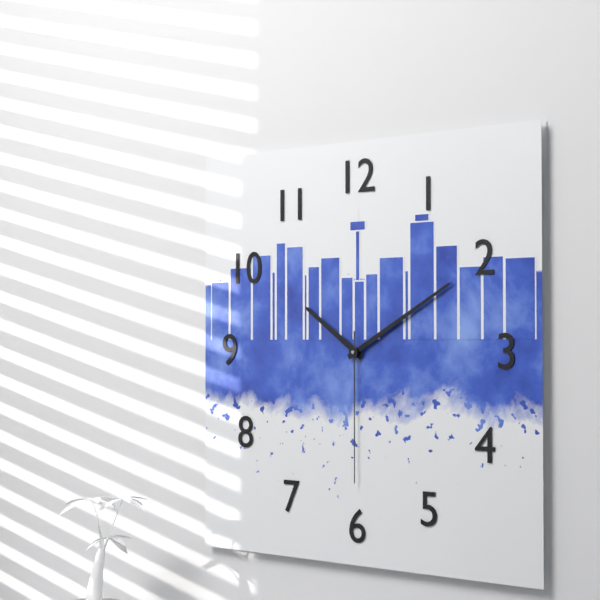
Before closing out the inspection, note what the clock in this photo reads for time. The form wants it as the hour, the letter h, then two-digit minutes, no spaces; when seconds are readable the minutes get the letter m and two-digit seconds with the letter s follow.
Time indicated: 10h10m30s
